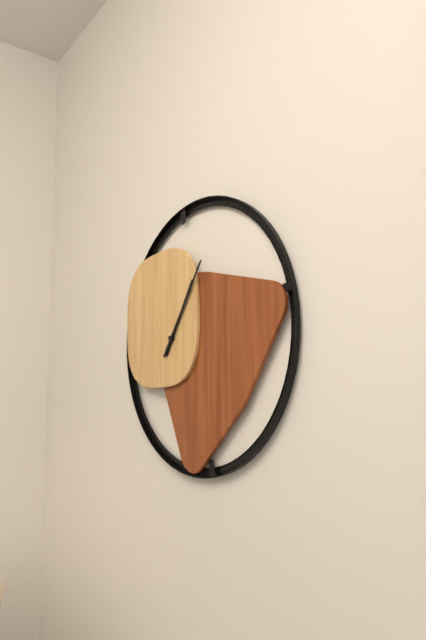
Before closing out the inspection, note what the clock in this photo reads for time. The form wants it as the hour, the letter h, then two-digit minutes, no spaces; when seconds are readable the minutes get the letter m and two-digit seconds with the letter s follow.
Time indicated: 1h06
